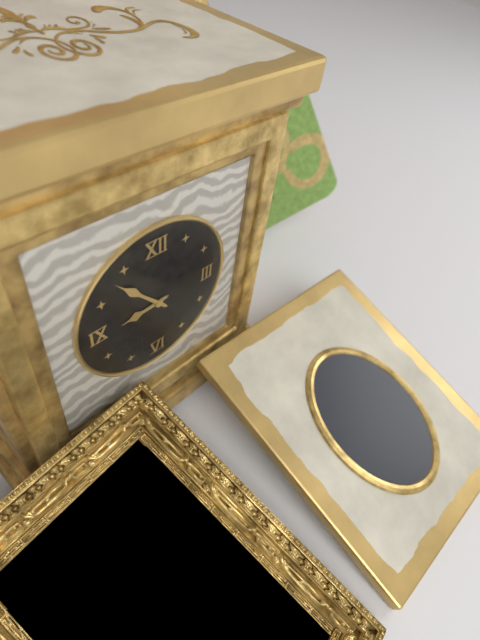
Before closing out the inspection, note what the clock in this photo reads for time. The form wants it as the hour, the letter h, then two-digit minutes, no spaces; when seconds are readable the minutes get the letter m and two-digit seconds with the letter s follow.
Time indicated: 8h53
